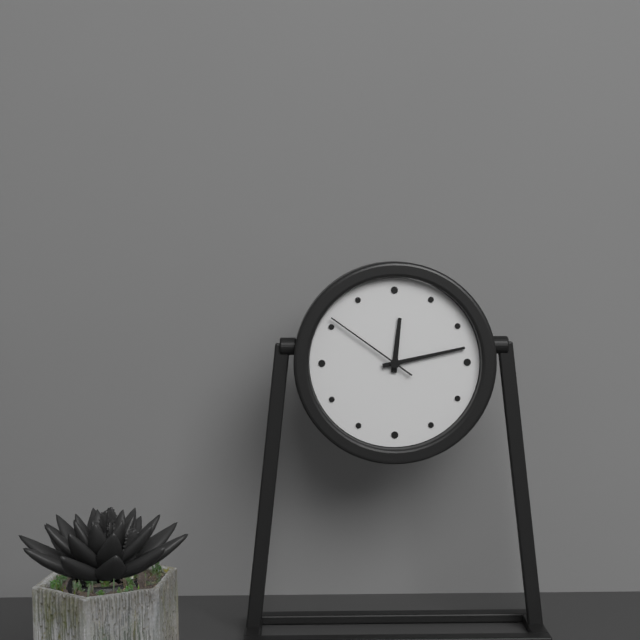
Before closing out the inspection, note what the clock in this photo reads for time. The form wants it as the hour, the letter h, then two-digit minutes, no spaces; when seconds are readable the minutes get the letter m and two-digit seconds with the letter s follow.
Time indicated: 12h13m51s
